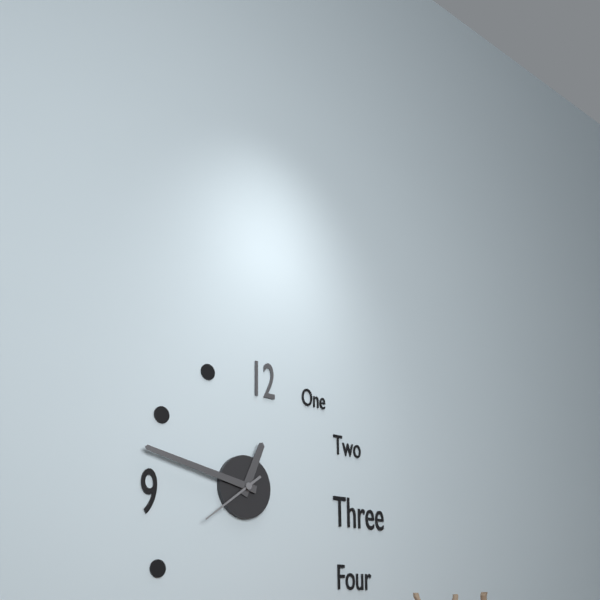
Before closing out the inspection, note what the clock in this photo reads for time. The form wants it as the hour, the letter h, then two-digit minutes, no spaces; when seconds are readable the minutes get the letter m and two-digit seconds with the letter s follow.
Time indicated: 12h47m39s
